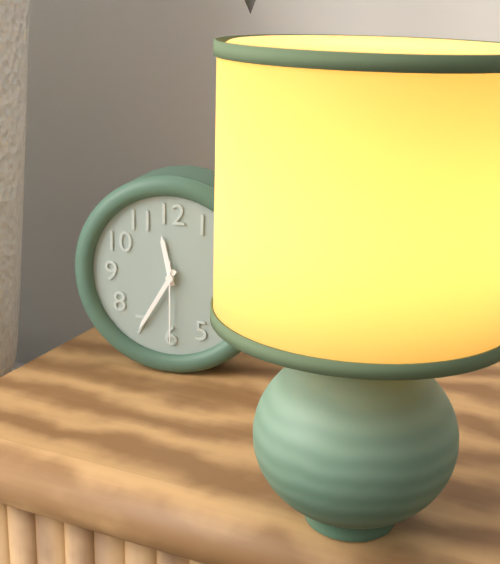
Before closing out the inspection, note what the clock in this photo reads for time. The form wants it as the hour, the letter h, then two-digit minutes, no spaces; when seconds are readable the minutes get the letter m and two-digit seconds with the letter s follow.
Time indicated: 11h35m30s
